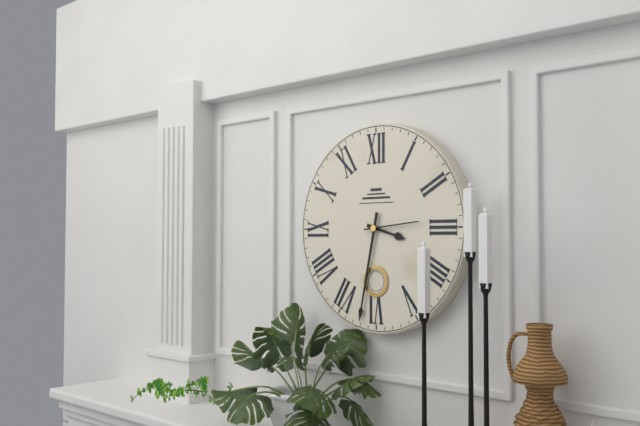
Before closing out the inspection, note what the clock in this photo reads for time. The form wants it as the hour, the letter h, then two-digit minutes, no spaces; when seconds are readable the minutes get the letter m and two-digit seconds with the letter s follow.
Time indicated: 3h32m14s
